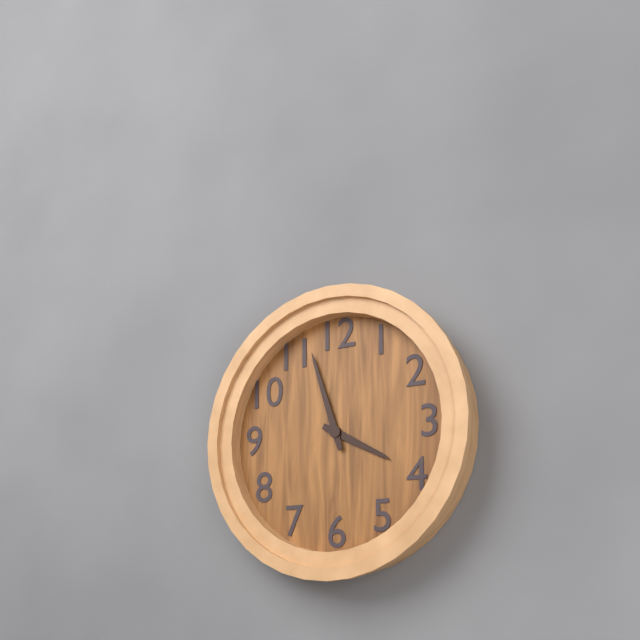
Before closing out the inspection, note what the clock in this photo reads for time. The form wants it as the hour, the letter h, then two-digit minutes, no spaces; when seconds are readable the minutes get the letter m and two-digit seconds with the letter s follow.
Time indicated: 3h57
